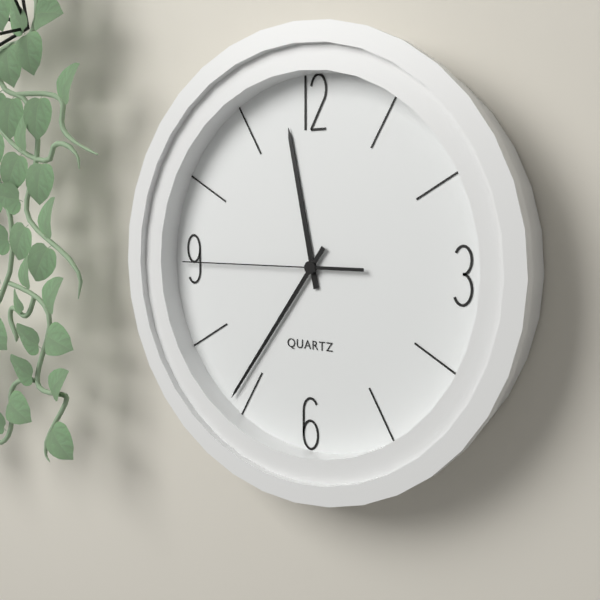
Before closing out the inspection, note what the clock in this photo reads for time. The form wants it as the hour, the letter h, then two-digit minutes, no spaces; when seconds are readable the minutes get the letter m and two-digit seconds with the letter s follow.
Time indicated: 11h36m45s
